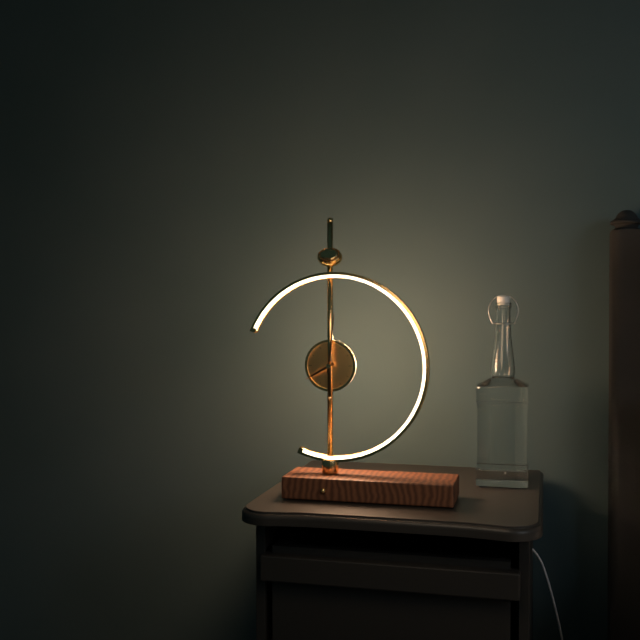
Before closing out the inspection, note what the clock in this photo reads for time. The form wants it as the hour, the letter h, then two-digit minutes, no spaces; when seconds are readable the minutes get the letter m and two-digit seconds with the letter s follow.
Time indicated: 8h01
